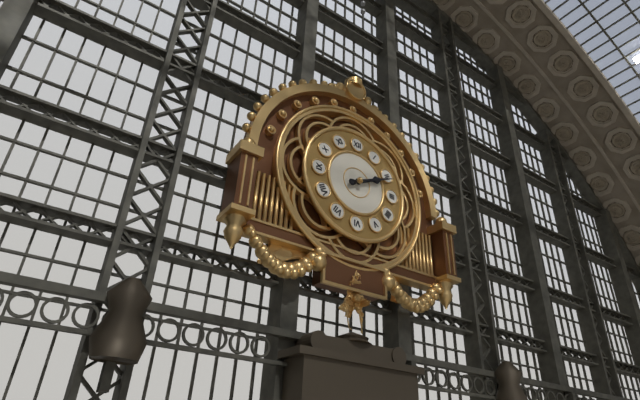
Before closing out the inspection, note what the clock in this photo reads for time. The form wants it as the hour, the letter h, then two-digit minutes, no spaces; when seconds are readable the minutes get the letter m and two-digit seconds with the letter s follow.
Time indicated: 2h11
